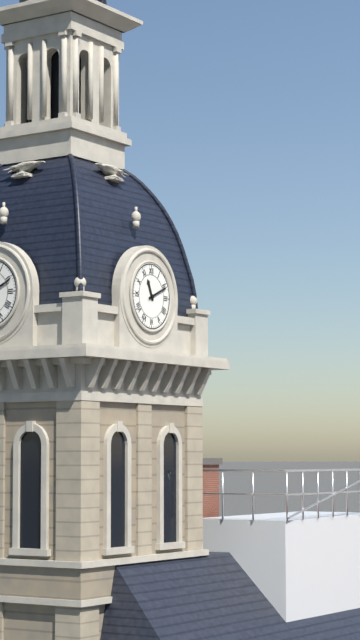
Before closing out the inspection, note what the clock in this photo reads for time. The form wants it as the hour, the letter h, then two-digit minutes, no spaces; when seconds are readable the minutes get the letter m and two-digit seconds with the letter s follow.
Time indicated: 11h11
